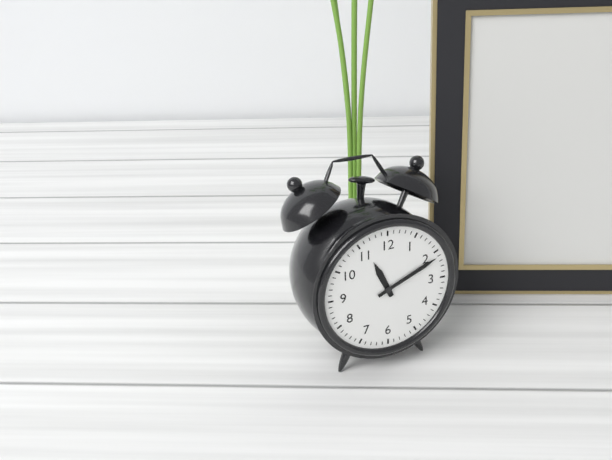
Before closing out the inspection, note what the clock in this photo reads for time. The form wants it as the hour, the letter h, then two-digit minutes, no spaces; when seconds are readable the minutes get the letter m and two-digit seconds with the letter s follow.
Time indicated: 11h11
